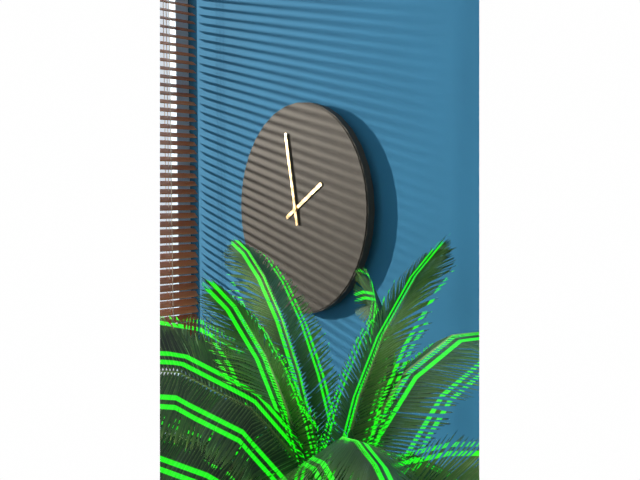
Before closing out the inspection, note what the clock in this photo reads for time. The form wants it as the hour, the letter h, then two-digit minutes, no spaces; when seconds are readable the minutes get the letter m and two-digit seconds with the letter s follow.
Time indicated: 1h58
